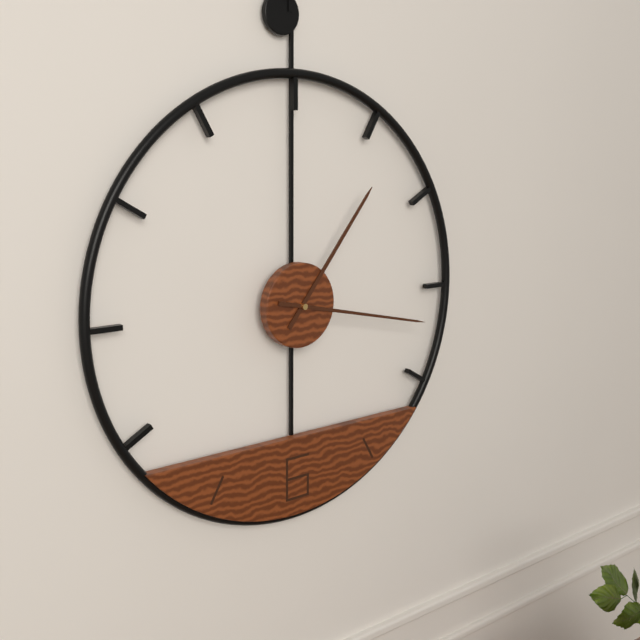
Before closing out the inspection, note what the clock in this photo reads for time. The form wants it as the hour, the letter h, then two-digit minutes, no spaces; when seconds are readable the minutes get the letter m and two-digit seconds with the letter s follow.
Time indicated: 1h17
